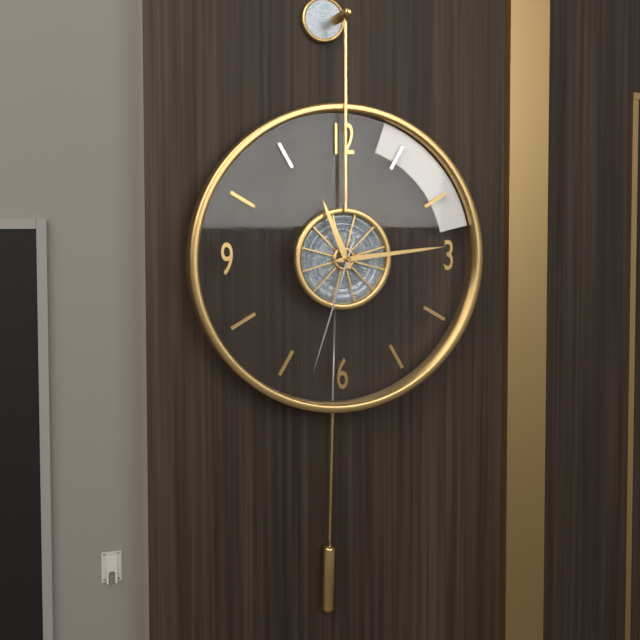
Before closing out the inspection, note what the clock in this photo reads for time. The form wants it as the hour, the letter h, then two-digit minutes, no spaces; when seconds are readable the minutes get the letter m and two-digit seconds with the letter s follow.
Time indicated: 11h14m33s
